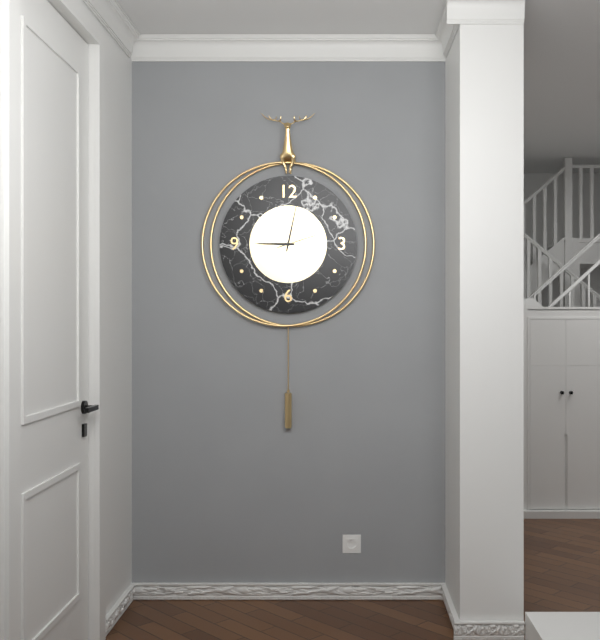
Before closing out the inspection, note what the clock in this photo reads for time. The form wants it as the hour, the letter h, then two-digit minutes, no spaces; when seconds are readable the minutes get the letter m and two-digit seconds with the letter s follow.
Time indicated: 9h02
